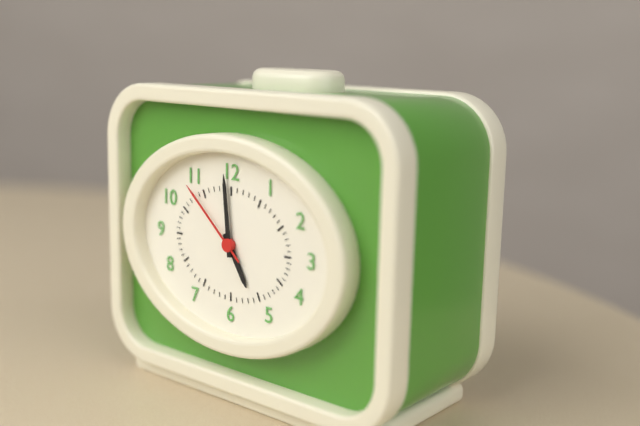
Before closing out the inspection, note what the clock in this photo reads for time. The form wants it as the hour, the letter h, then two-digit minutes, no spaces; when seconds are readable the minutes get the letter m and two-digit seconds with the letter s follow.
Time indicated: 4h59m52s
